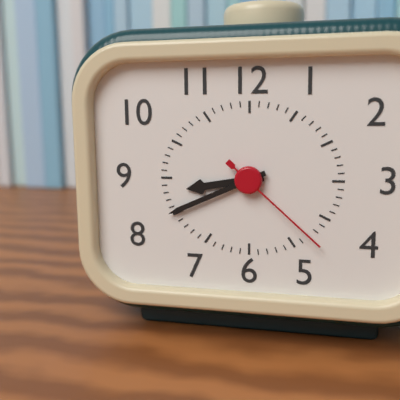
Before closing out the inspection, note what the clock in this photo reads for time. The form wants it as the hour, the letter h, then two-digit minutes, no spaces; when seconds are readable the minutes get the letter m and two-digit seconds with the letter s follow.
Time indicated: 8h41m22s
